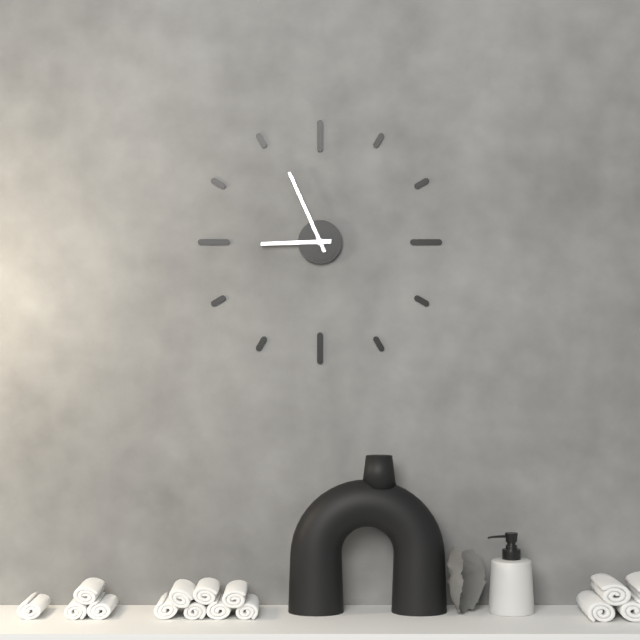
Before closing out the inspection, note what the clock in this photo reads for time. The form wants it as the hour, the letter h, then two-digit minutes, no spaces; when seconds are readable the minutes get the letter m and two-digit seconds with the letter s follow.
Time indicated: 8h56
